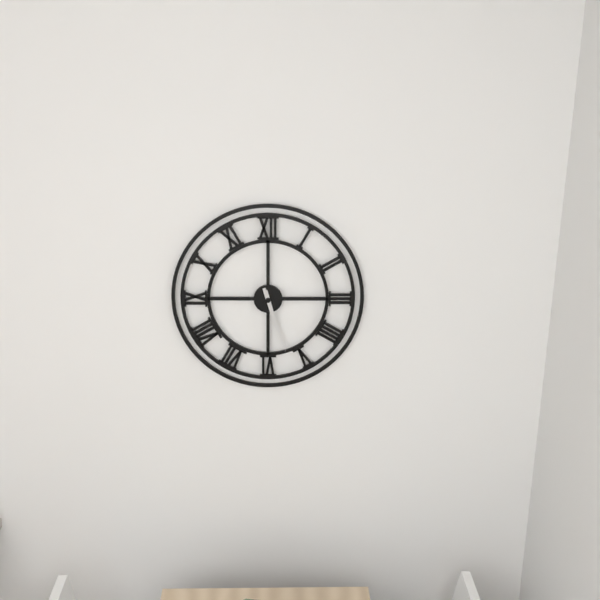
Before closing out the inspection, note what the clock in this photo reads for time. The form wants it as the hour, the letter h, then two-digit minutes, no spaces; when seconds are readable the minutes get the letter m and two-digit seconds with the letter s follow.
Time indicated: 5h27
